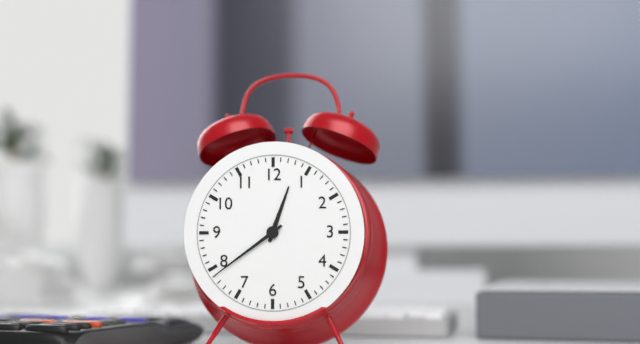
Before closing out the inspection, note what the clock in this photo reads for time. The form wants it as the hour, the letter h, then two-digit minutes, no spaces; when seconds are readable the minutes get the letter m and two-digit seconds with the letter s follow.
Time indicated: 12h39
